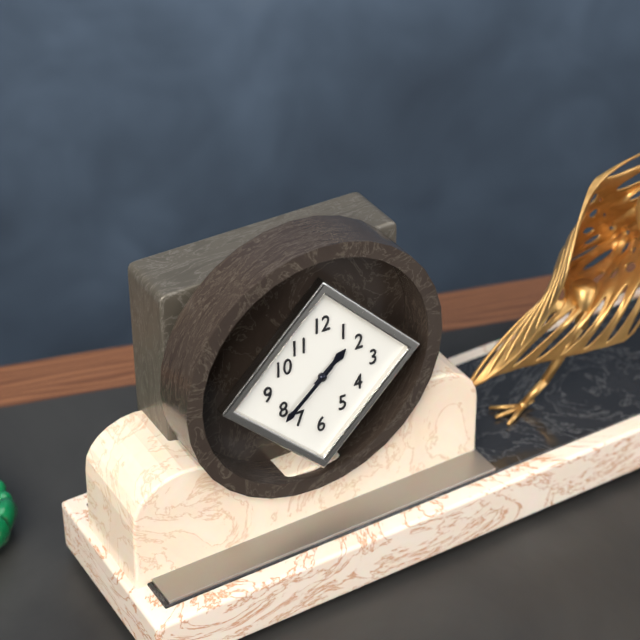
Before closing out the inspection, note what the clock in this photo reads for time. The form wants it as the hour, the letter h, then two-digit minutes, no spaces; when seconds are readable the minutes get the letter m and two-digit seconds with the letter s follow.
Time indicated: 1h38
